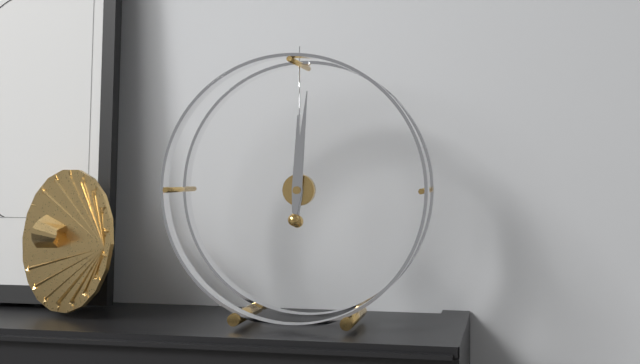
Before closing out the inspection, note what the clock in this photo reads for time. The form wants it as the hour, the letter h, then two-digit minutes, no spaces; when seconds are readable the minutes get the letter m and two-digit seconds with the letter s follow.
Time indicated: 12h01
